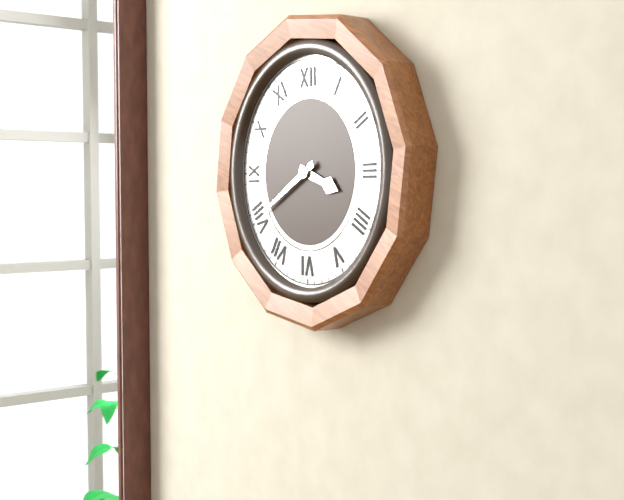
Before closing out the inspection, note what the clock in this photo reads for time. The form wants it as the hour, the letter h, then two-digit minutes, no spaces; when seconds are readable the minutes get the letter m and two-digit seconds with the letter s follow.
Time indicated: 3h40
